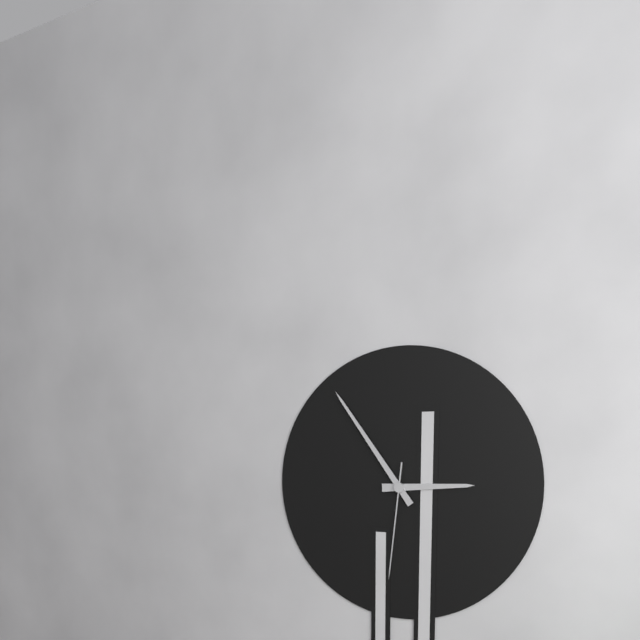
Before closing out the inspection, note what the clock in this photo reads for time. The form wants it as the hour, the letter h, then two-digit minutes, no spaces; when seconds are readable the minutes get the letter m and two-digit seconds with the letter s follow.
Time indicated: 2h54m31s
